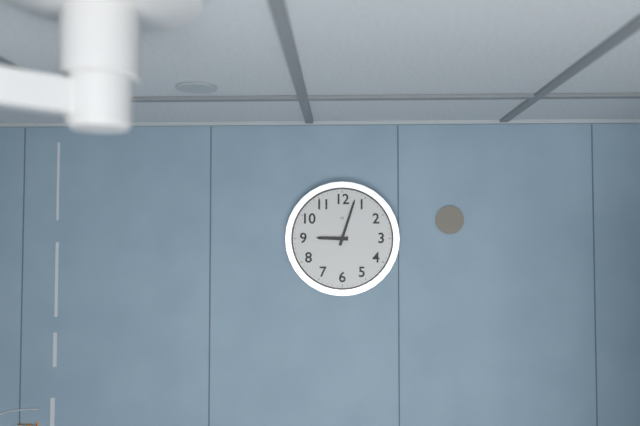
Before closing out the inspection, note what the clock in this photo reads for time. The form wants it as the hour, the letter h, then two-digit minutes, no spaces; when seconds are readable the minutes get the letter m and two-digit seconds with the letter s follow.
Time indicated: 9h03
